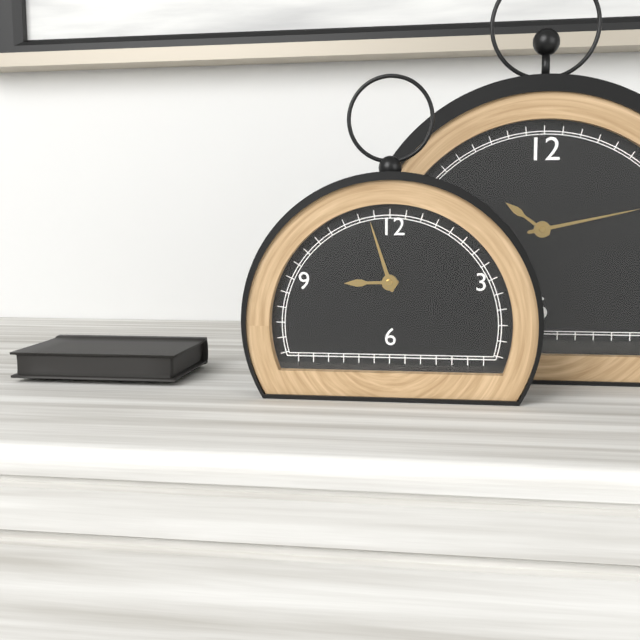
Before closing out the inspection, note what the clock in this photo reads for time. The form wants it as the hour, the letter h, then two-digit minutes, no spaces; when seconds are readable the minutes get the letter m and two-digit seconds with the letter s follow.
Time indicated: 8h57
